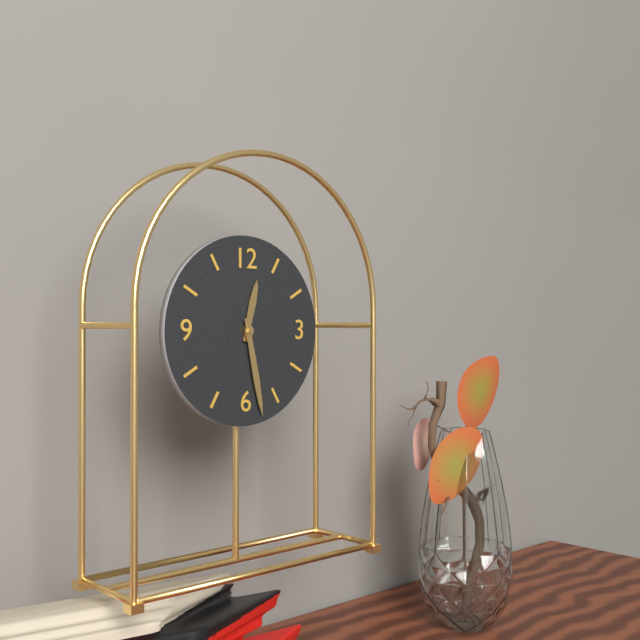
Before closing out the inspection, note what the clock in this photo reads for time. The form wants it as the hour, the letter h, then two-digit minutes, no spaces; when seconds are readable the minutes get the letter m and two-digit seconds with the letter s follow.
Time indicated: 12h28
